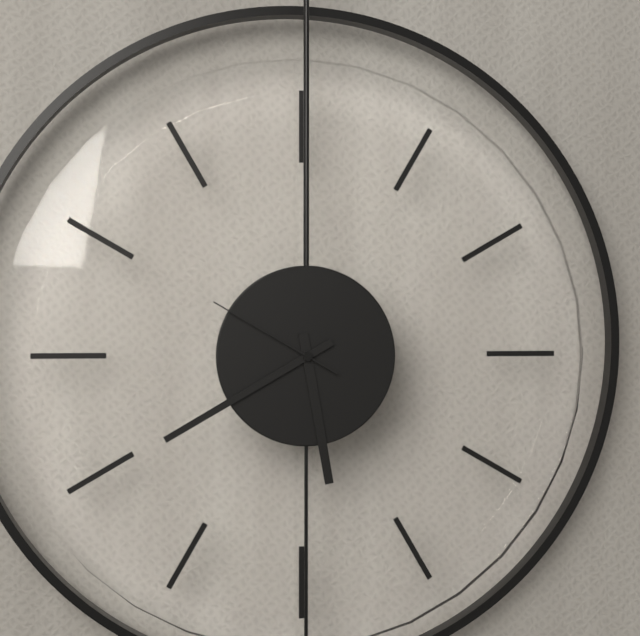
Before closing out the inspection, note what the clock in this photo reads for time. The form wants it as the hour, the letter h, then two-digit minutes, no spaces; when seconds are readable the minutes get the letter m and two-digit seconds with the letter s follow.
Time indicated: 5h40m50s
